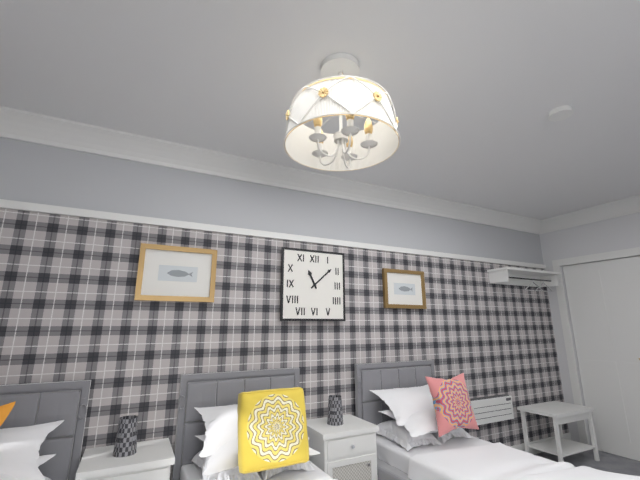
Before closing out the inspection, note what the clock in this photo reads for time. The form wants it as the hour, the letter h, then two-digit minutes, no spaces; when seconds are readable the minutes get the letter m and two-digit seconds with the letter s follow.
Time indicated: 11h08
